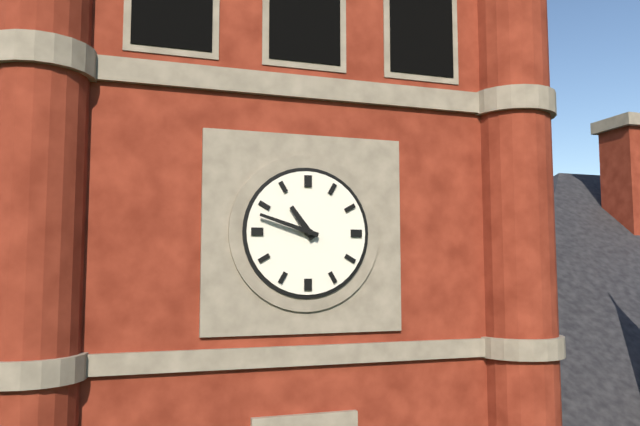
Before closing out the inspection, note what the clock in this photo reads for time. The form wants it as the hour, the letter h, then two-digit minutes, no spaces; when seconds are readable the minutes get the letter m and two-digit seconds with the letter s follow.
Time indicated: 10h48
